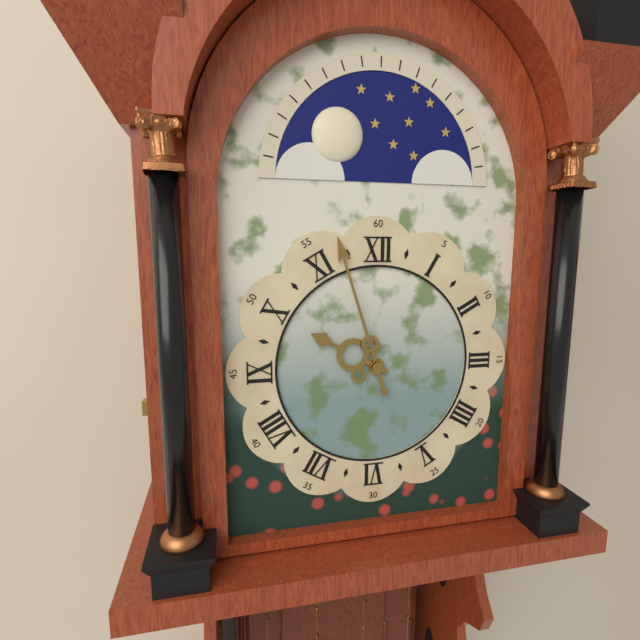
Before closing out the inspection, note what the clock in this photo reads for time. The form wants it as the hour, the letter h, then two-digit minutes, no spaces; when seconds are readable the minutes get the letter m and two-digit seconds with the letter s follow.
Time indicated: 9h57
